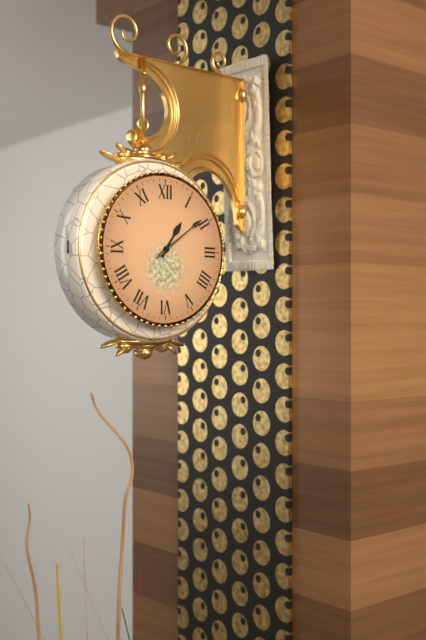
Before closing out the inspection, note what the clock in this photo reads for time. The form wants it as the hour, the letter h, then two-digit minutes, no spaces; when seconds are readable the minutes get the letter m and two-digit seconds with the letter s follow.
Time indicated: 1h09m09s
